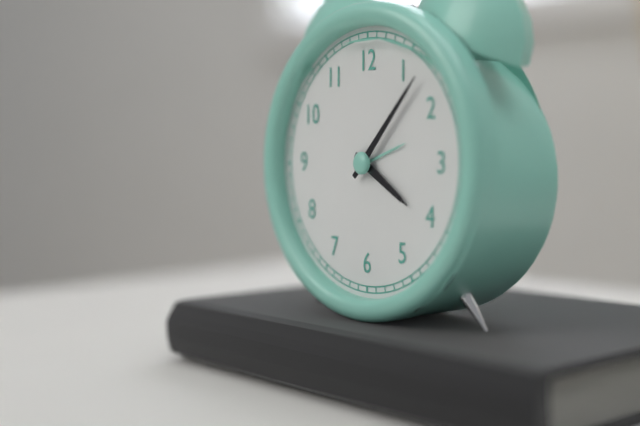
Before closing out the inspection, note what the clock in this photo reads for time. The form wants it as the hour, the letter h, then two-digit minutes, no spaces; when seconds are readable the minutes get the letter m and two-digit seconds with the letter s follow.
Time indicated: 4h07
